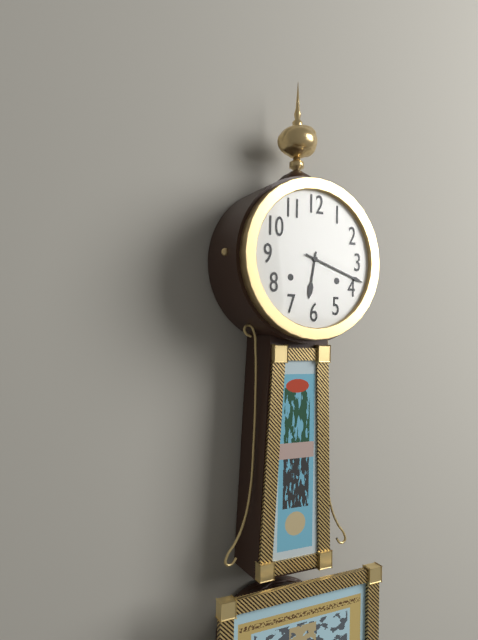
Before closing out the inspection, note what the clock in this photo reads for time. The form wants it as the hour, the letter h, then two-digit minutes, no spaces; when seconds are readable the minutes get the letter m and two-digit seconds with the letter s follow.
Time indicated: 6h18
